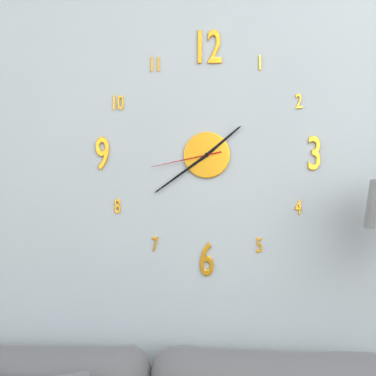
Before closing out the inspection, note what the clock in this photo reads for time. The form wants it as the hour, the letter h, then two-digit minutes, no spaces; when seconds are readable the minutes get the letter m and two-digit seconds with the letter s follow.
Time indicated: 1h39m43s
